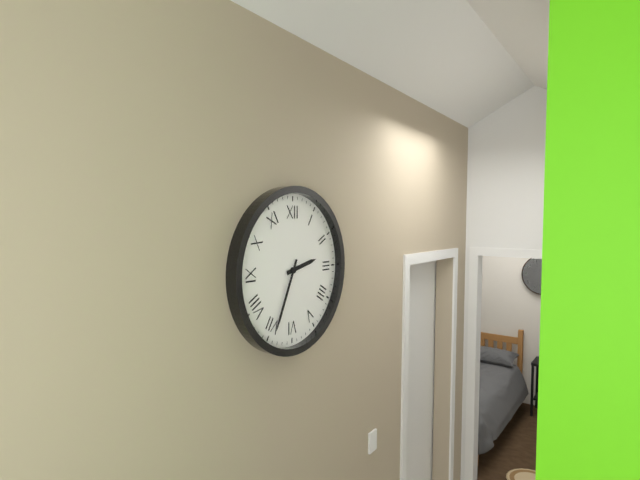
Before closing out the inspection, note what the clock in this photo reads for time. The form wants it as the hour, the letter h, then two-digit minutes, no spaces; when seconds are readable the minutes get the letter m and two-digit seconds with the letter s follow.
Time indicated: 2h34
